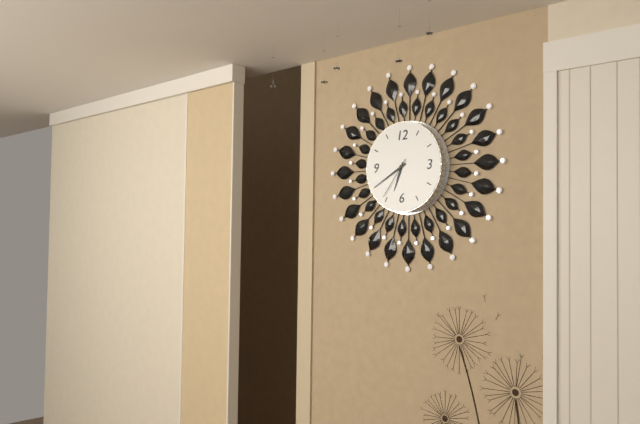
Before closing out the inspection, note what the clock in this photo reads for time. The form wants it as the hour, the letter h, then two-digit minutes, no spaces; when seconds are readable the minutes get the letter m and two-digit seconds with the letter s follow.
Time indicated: 6h40
